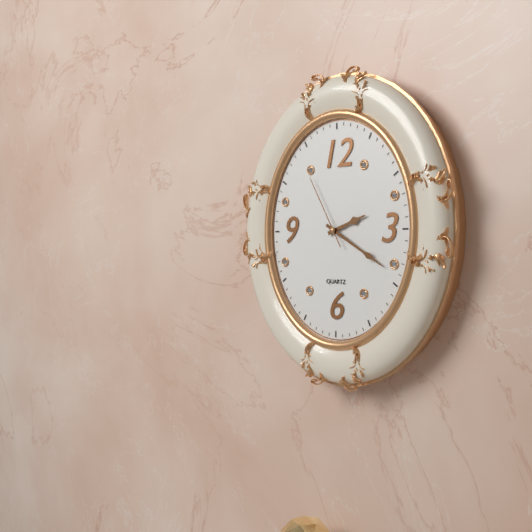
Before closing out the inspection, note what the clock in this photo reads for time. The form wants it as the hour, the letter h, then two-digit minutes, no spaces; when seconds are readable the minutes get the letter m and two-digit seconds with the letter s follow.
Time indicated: 2h20m55s
